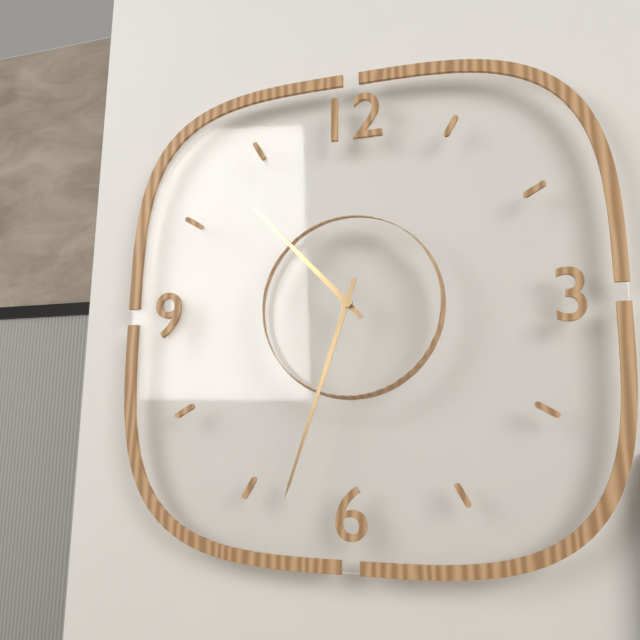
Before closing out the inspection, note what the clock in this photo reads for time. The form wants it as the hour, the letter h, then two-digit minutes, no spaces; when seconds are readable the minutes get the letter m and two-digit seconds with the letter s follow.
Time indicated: 10h33
